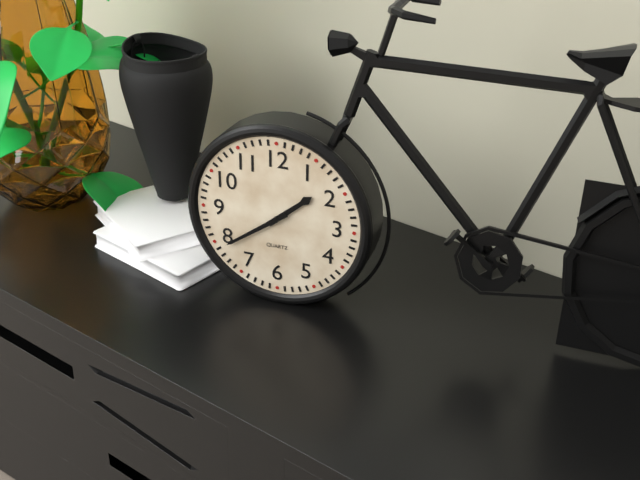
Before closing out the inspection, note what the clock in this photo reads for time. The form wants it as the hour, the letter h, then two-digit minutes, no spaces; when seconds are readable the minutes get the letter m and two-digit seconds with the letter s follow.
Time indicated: 1h39
